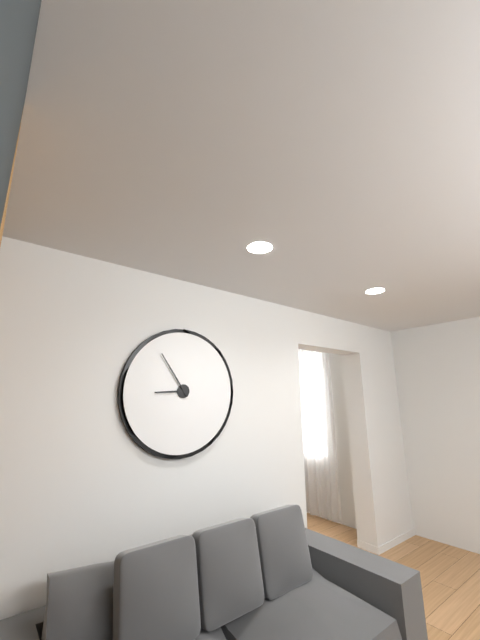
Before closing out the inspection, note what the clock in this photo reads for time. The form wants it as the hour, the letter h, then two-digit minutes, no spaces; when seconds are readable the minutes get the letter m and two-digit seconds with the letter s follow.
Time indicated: 8h54
